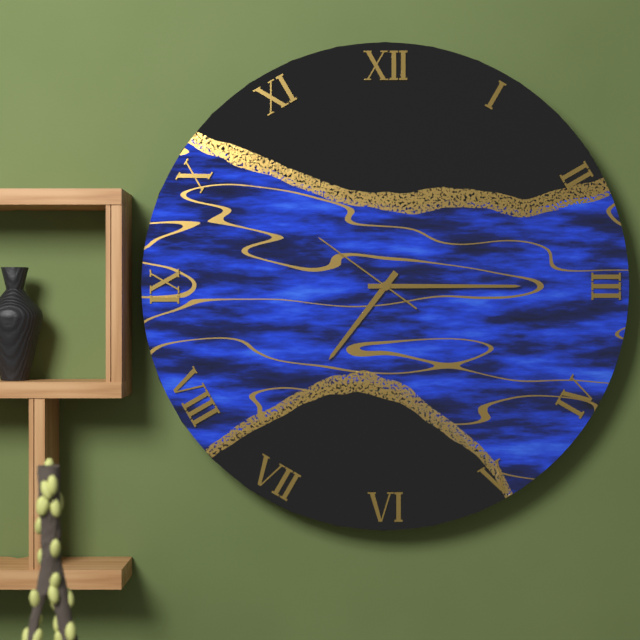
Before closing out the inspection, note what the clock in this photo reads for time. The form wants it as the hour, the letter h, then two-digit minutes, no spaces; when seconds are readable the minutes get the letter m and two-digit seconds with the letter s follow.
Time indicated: 7h15m51s
